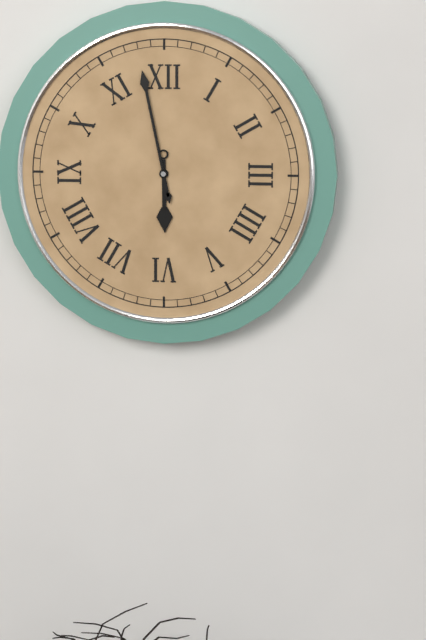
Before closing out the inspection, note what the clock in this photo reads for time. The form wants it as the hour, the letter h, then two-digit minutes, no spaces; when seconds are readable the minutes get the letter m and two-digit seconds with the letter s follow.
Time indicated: 5h58
